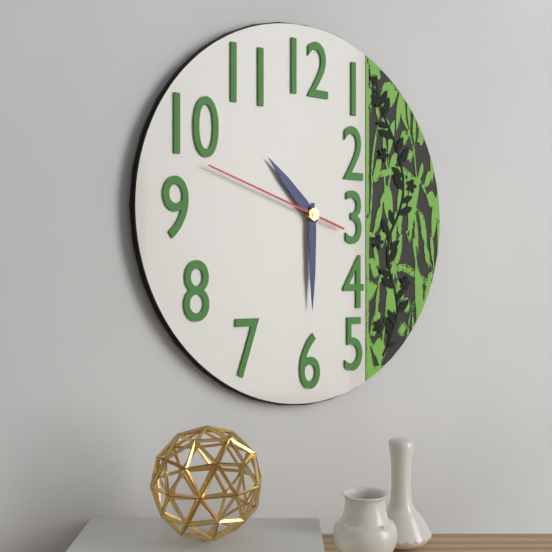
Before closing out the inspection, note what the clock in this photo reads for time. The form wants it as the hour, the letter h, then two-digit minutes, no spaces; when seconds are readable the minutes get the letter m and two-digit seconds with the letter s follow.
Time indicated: 10h30m48s
